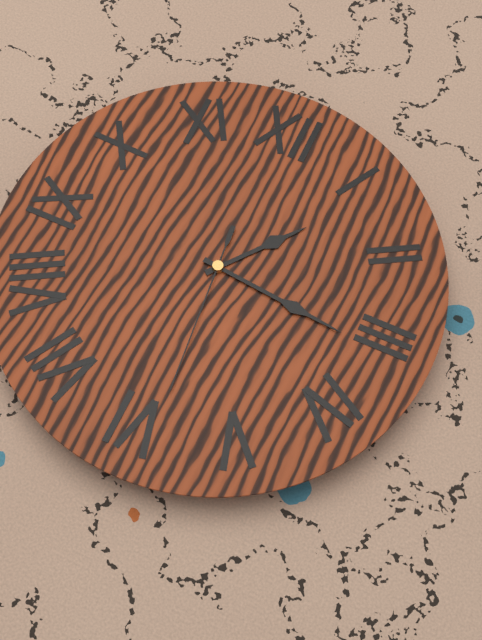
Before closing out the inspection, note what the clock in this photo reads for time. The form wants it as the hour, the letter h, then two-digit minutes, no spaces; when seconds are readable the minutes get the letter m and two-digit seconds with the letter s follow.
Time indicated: 1h16m29s
